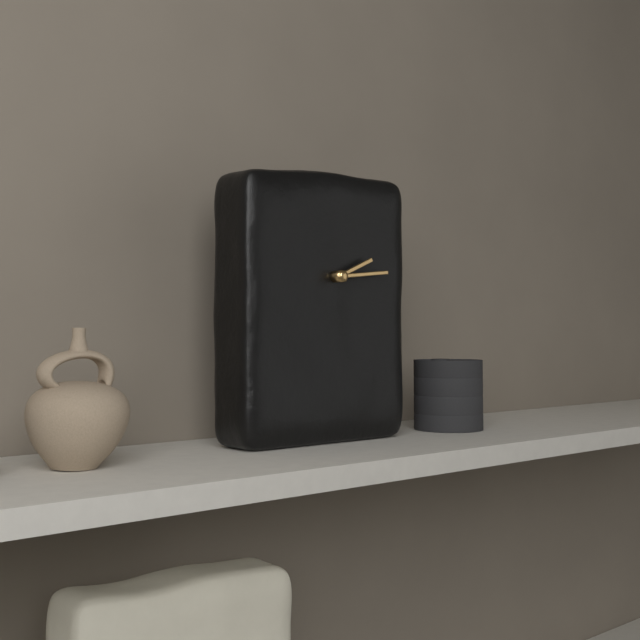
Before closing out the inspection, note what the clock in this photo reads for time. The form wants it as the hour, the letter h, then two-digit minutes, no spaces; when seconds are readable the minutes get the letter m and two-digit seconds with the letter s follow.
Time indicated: 2h14
